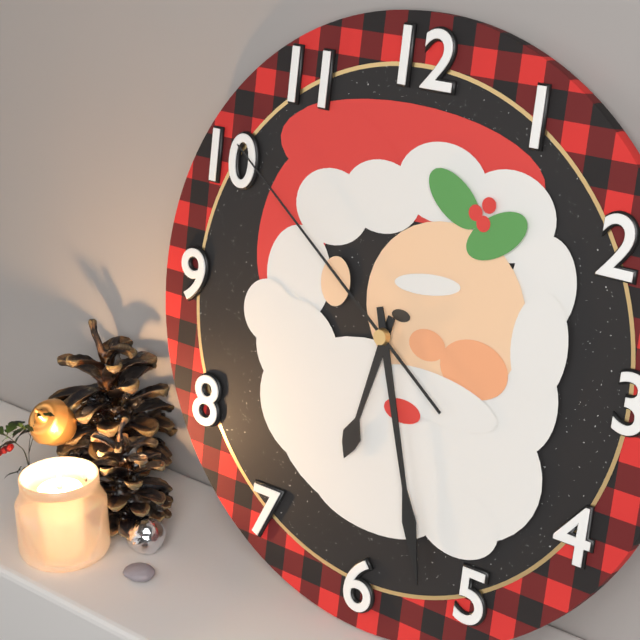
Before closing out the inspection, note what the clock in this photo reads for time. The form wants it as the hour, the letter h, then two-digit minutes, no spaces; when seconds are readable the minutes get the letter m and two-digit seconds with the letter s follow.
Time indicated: 6h27m51s
